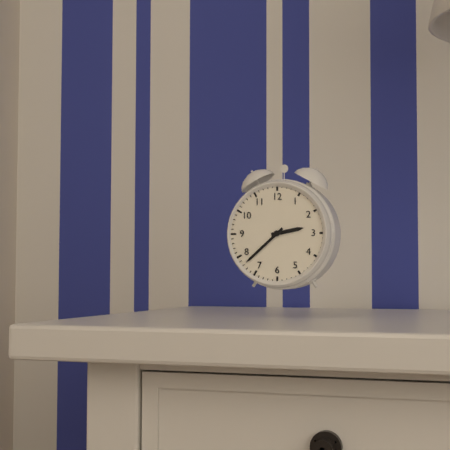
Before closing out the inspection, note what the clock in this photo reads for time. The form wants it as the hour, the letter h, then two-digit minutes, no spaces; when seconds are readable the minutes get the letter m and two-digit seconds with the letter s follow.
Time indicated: 2h38
